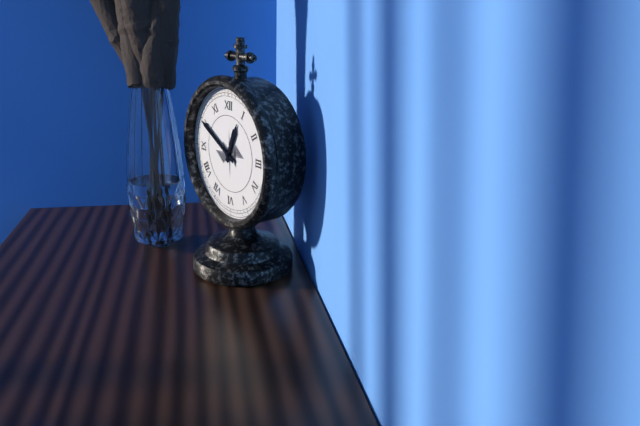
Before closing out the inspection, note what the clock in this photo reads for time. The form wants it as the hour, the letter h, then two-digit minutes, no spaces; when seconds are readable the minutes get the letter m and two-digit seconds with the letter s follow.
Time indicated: 12h50
